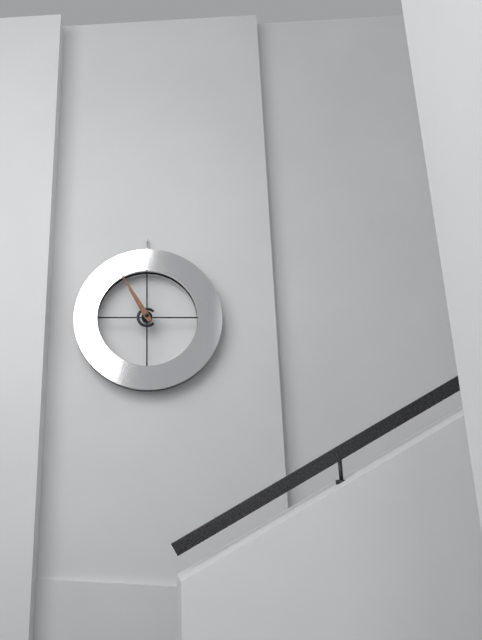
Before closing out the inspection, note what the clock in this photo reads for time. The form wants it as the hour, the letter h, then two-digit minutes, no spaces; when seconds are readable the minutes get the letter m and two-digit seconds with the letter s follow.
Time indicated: 10h55
